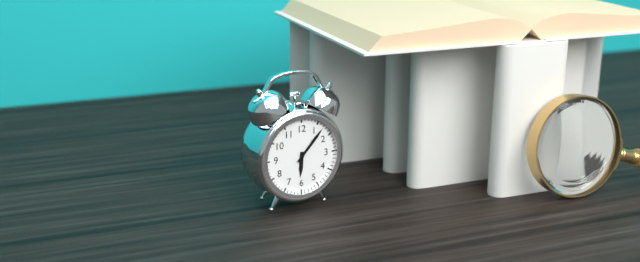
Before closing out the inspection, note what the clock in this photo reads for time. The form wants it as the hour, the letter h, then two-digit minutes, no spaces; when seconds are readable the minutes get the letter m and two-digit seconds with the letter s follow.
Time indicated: 6h07
